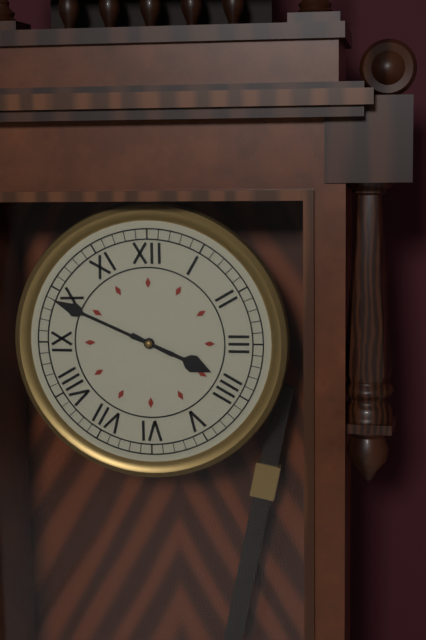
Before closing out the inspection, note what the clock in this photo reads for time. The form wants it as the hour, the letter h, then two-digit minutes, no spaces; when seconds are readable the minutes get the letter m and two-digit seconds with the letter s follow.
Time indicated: 3h49
